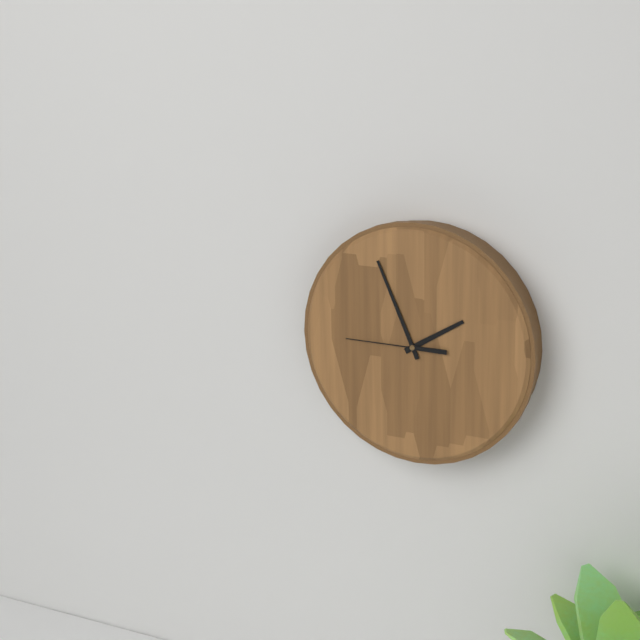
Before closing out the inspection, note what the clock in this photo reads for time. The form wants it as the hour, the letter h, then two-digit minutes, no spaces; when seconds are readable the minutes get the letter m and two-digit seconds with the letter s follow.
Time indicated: 1h56m45s
